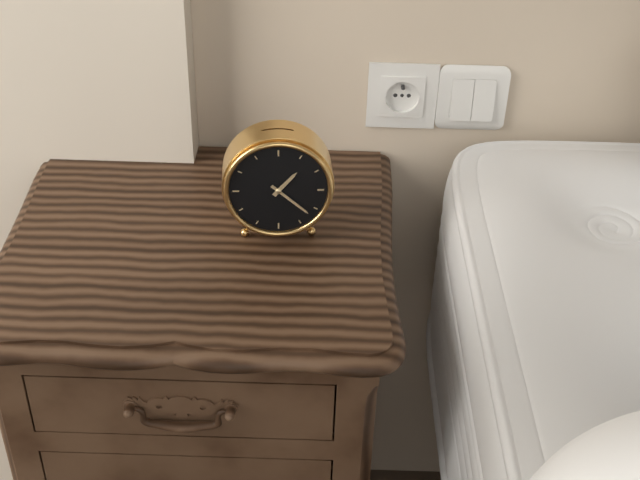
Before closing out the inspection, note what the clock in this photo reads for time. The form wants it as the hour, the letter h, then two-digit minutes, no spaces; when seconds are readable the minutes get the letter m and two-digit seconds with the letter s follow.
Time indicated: 1h22
